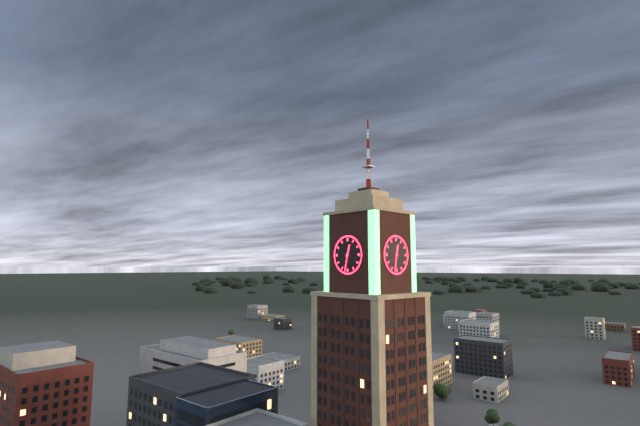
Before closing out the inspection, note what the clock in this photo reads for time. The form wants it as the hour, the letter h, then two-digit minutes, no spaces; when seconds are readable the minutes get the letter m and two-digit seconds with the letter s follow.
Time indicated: 12h32
